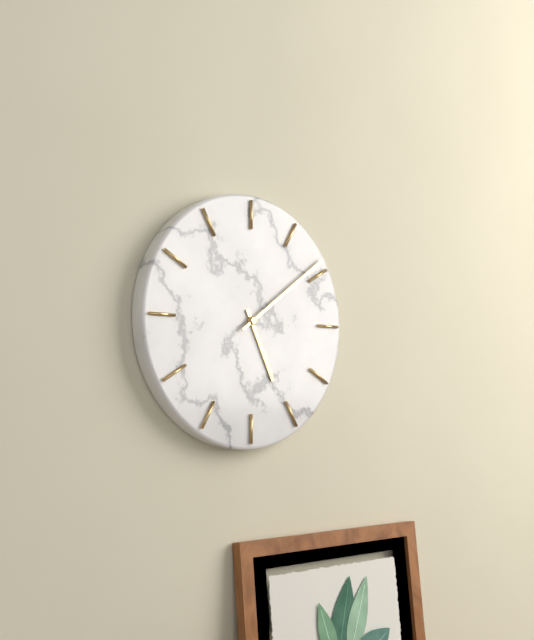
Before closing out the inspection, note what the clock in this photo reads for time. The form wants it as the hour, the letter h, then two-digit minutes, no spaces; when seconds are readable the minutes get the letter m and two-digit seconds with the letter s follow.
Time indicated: 5h09
